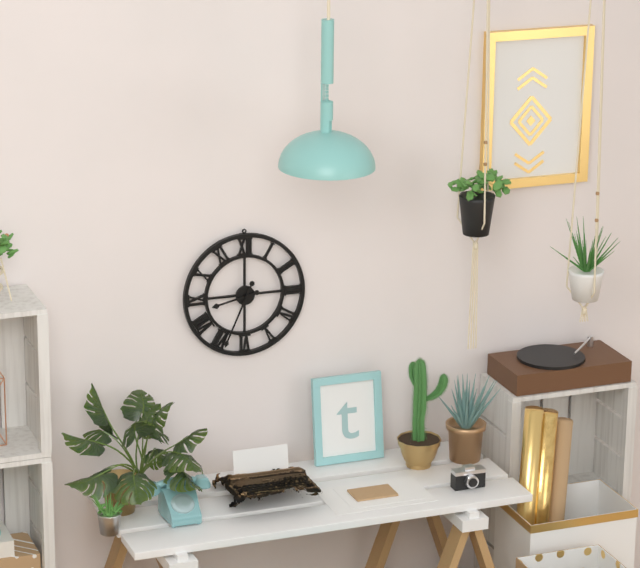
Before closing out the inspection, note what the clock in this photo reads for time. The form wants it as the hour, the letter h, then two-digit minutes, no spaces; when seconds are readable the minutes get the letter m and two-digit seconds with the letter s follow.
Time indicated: 8h34
